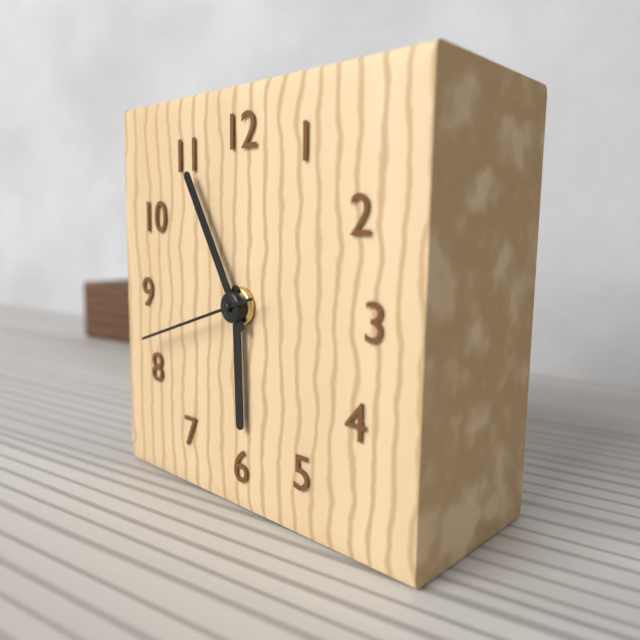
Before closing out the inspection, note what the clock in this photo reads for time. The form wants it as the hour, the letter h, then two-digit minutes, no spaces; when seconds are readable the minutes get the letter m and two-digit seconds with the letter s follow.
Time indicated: 5h55m42s
